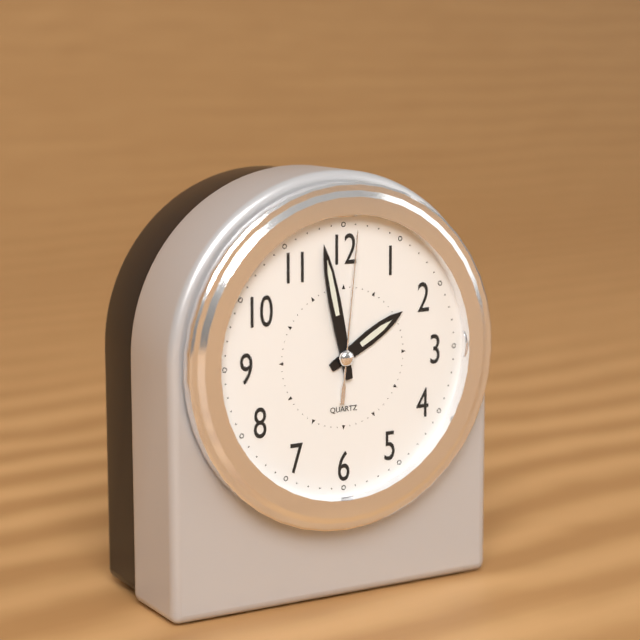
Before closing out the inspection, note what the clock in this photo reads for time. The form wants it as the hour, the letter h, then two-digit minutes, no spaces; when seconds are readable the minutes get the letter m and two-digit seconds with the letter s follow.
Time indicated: 1h58m01s
